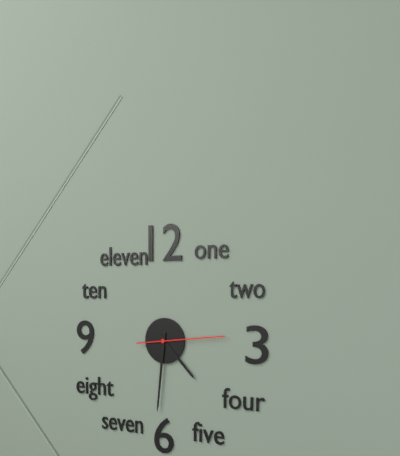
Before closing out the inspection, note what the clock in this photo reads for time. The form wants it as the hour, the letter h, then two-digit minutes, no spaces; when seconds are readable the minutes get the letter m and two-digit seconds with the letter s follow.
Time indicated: 4h31m14s
